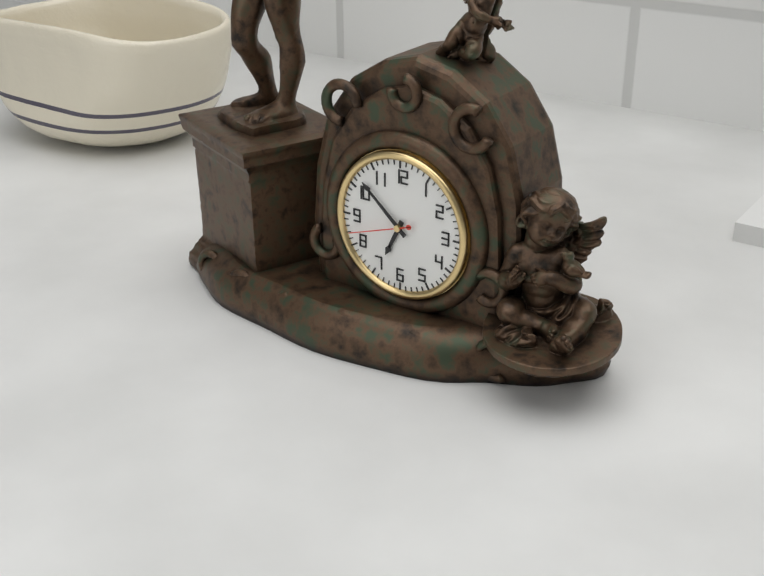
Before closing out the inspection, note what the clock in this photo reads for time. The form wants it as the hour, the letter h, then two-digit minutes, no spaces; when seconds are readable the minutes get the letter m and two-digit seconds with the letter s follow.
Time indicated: 6h52m42s
